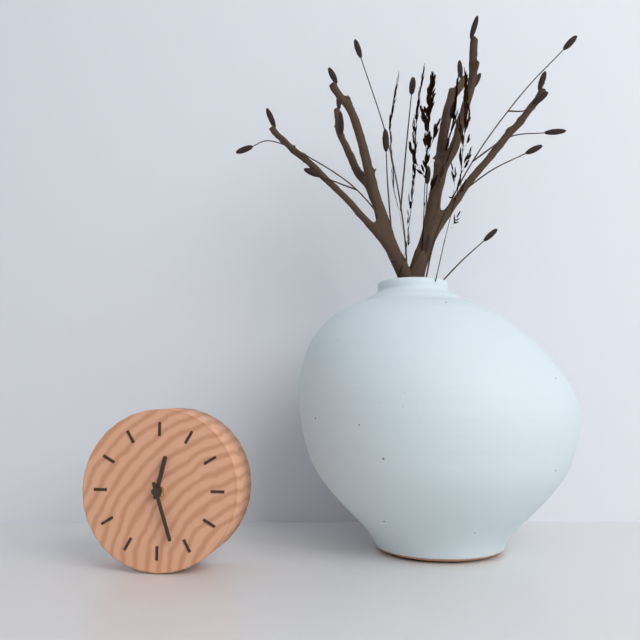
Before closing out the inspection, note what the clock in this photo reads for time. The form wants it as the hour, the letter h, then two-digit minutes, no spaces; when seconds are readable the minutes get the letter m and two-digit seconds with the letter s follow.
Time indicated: 12h27
